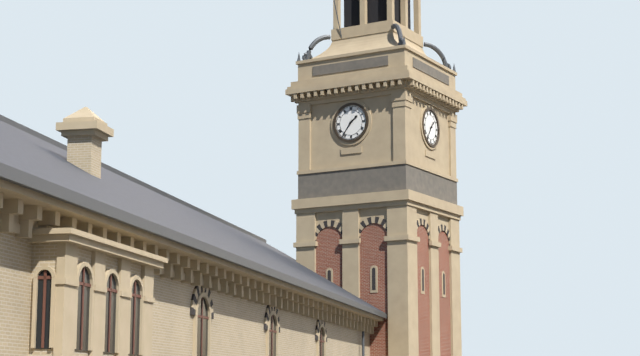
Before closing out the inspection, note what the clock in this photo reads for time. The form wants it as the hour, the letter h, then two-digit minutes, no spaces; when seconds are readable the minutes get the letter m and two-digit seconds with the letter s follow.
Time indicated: 1h36
